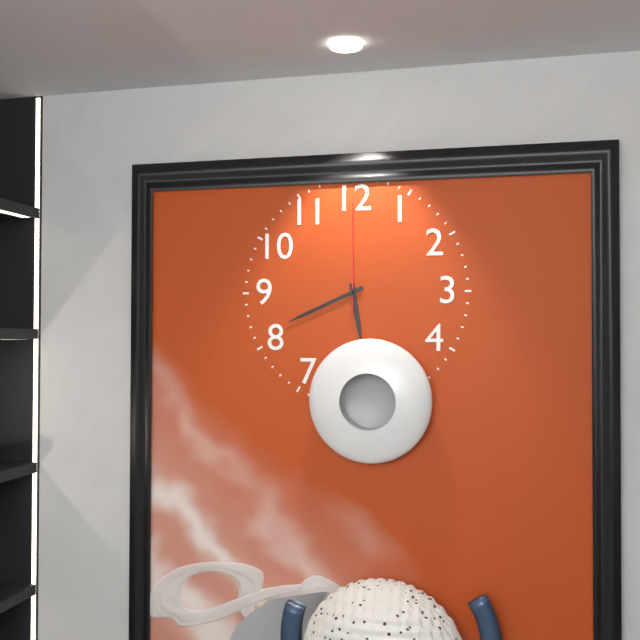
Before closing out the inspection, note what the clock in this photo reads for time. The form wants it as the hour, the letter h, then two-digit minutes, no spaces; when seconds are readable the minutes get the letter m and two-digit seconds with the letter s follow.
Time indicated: 5h41m00s
